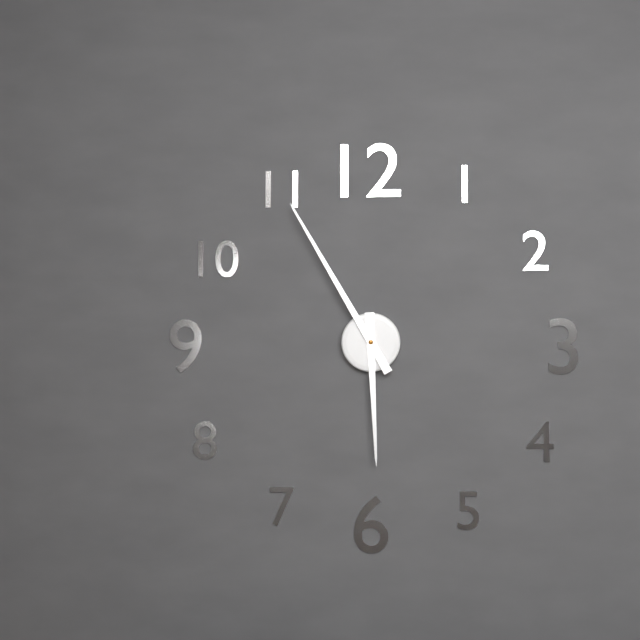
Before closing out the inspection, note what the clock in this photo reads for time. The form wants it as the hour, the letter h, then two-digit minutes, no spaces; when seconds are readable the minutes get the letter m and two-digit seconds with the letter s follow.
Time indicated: 5h55
